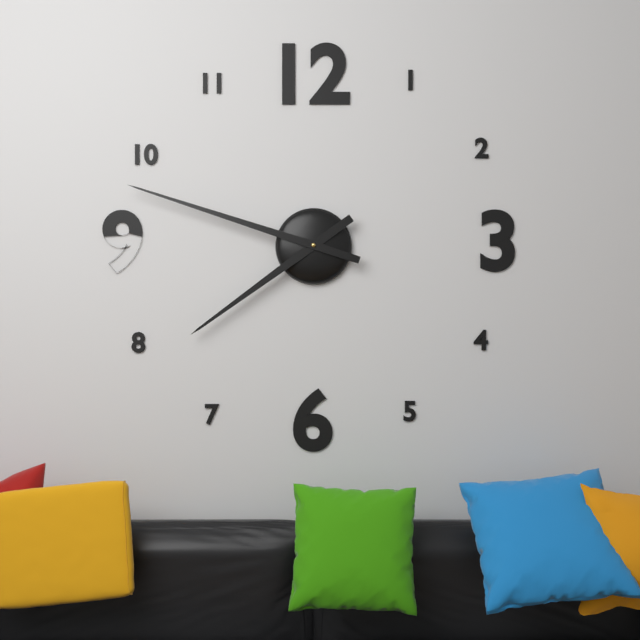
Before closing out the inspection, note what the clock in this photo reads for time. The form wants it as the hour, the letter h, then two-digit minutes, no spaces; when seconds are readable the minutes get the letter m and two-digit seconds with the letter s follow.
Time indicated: 7h48
